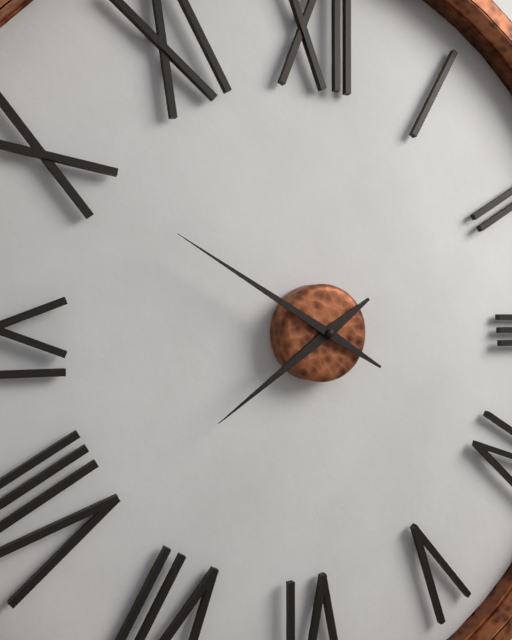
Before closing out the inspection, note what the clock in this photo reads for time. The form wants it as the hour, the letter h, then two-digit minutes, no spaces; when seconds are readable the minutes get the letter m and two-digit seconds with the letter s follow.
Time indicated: 7h50
